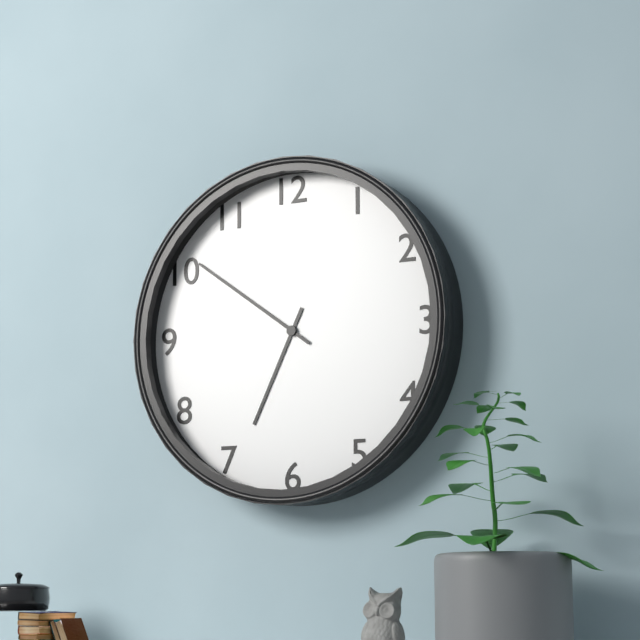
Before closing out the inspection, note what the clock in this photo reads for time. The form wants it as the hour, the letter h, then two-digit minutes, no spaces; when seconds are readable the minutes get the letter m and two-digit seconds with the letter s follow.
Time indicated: 6h51
